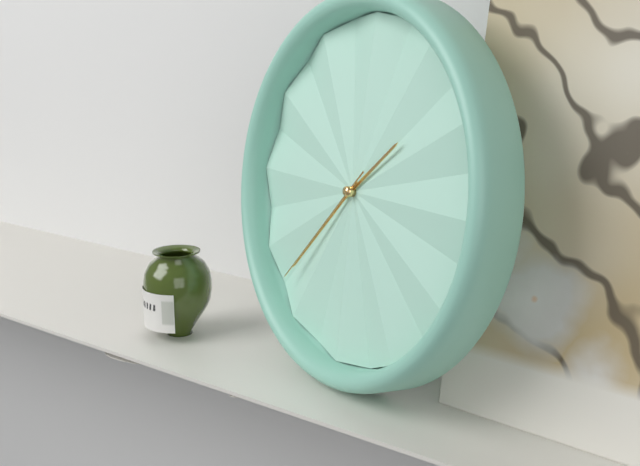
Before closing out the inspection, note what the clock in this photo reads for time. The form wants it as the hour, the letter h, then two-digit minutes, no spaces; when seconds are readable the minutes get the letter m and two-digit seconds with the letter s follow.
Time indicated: 1h37m37s
